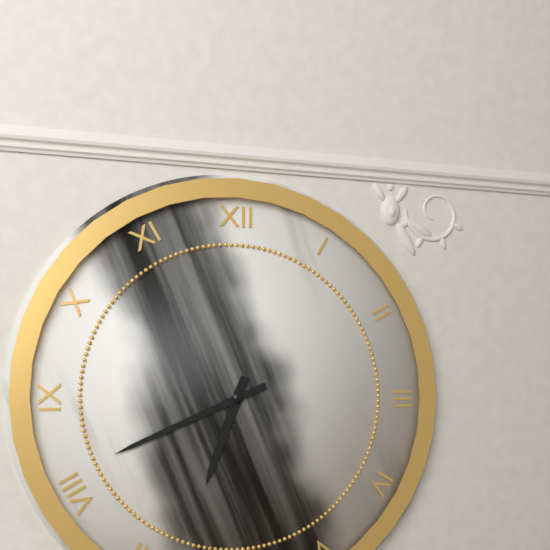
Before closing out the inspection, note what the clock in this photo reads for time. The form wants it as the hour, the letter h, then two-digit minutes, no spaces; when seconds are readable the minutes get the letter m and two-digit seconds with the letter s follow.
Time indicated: 6h41
